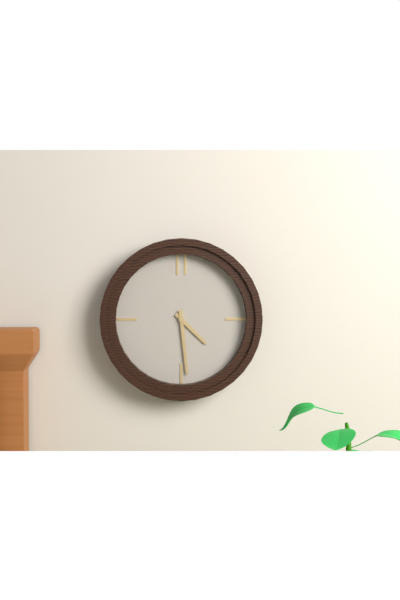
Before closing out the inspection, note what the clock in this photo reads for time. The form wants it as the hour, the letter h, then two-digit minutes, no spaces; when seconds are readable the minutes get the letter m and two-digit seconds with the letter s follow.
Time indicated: 4h29
